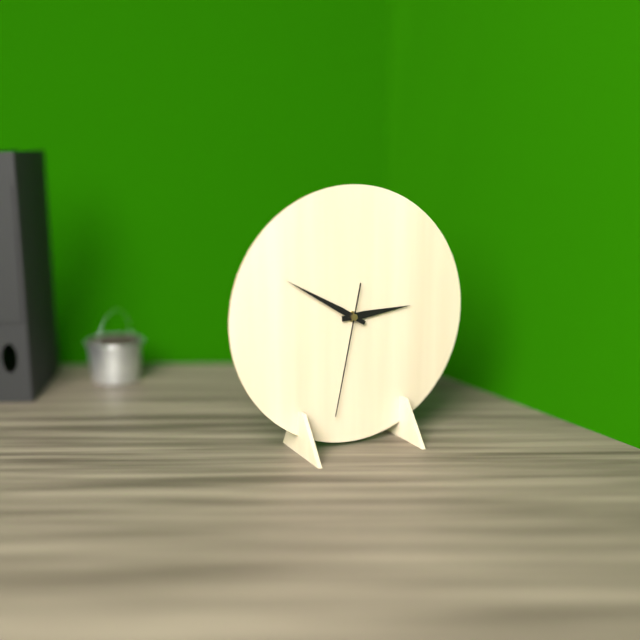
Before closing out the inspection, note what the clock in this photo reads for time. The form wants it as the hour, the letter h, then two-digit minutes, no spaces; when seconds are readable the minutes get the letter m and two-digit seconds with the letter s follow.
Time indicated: 2h50m32s
